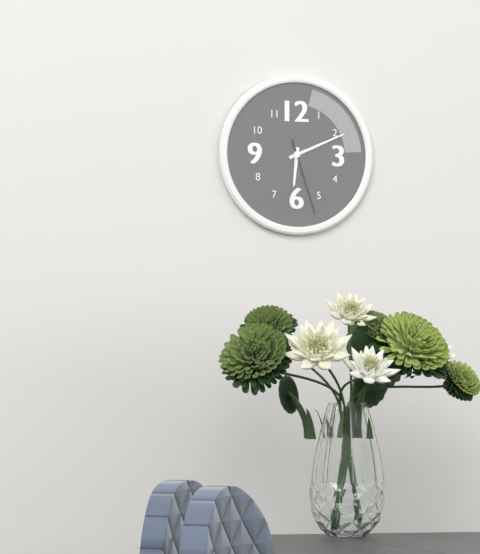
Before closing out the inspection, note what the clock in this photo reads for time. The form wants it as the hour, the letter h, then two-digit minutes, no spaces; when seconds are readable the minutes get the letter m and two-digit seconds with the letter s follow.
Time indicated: 6h11m27s
